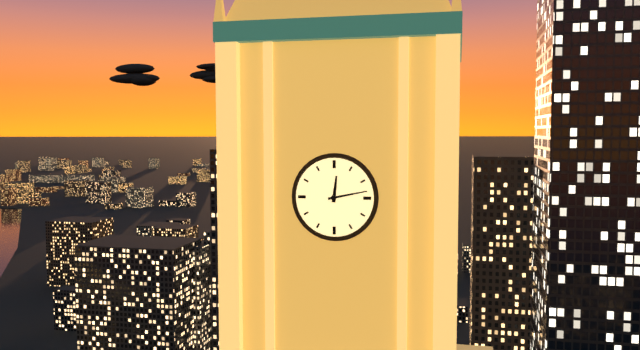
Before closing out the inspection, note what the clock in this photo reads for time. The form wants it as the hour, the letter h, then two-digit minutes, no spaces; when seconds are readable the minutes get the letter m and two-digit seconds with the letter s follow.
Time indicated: 12h13
